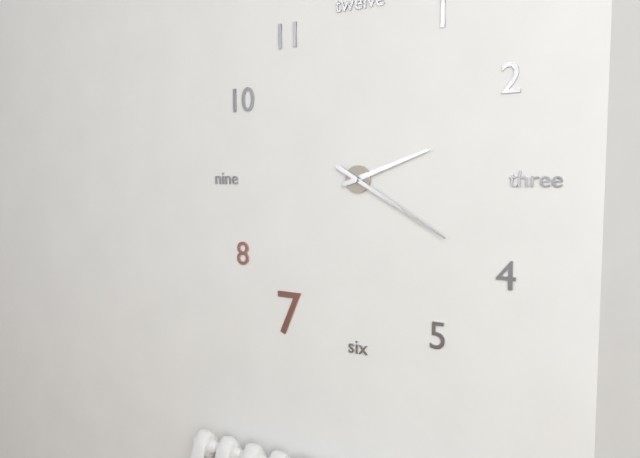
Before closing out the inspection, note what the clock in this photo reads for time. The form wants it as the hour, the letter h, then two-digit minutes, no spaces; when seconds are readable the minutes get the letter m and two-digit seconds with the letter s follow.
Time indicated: 2h20
